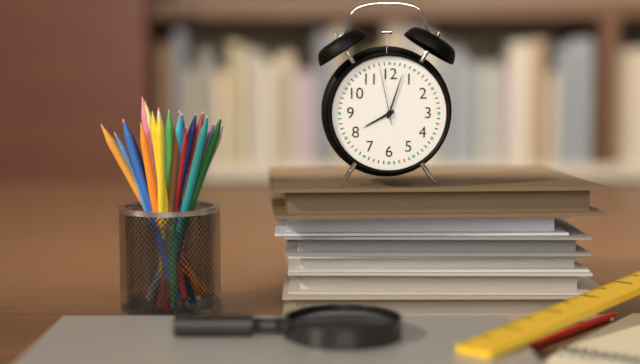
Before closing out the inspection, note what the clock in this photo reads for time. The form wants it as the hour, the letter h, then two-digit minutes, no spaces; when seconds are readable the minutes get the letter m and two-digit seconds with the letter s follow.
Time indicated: 8h03m58s
